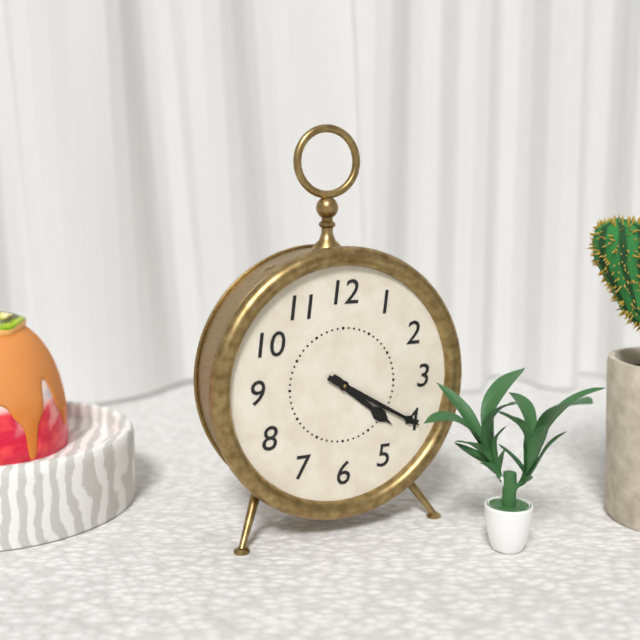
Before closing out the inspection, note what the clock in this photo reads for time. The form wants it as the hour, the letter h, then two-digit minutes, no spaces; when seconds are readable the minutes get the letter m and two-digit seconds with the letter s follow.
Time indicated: 4h20
